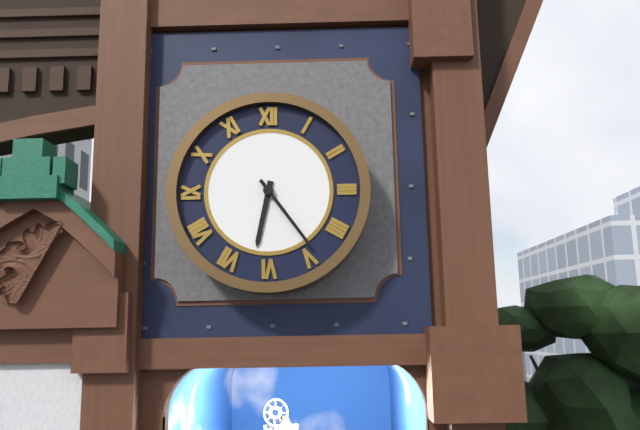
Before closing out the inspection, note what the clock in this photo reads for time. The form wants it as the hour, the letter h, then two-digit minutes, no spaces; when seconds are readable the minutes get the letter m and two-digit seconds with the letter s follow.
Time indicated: 6h24
